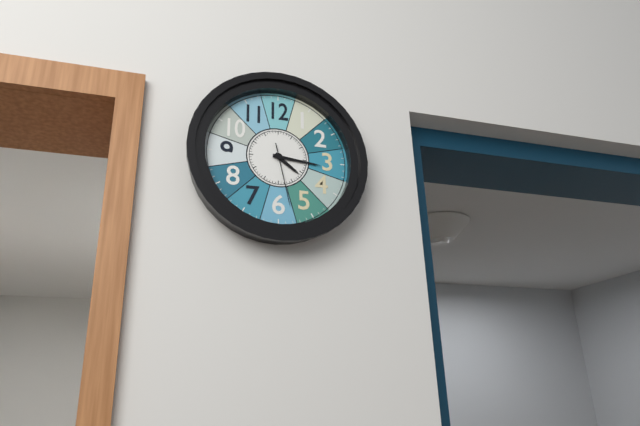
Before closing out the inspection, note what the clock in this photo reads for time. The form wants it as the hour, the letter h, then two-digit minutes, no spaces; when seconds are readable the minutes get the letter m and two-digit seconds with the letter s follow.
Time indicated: 4h16m28s
